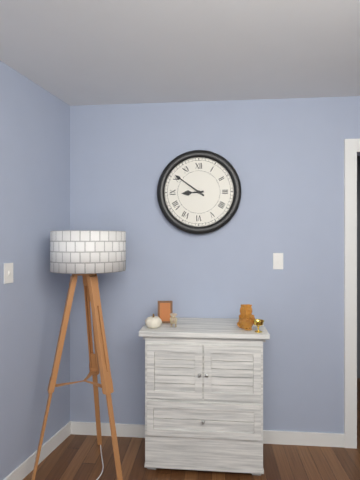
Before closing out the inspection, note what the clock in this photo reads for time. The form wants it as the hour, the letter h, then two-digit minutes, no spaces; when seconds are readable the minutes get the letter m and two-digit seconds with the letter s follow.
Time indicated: 8h51
